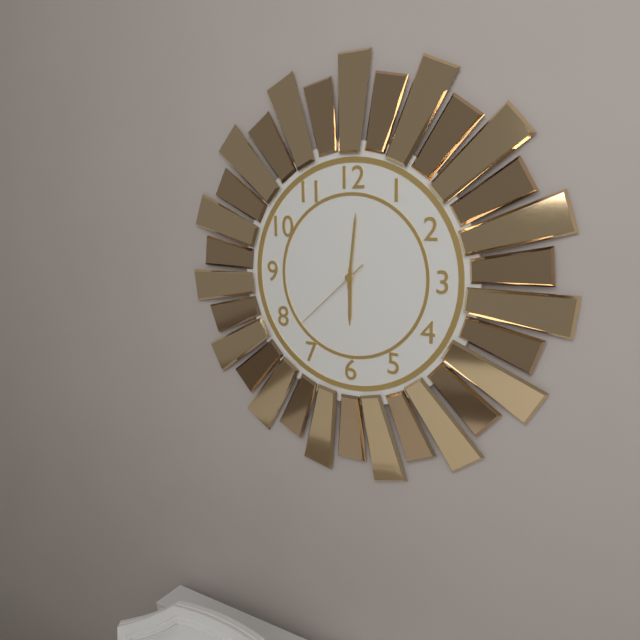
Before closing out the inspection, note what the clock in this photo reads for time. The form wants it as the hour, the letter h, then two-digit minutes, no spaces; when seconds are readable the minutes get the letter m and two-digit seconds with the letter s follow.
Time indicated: 6h01m38s
